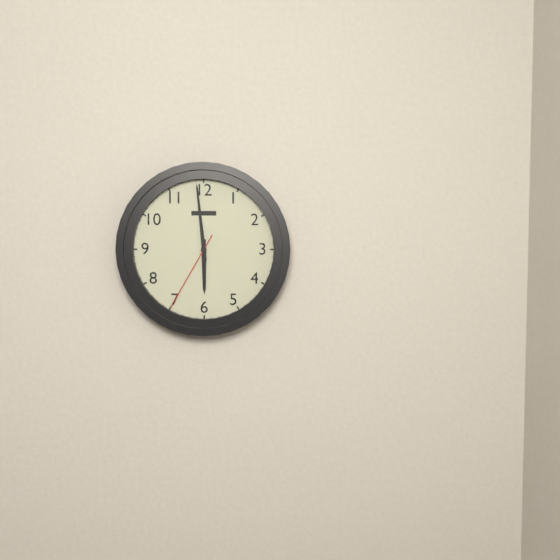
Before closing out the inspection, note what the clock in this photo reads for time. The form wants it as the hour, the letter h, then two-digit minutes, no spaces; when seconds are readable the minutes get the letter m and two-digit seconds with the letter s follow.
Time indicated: 5h59m35s
